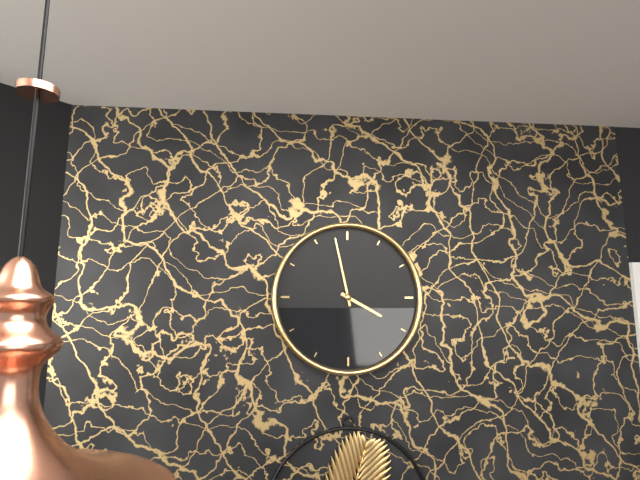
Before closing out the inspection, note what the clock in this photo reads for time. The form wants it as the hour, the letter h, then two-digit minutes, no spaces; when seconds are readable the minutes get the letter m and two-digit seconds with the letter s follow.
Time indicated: 3h58
